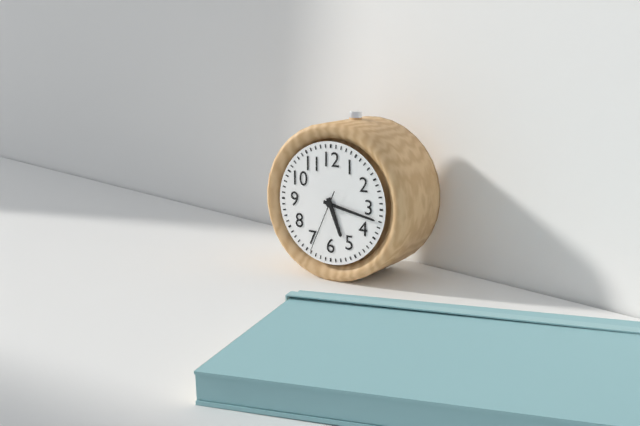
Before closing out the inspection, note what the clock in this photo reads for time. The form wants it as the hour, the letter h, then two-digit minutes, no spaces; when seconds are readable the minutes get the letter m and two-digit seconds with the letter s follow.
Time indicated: 5h17m34s
